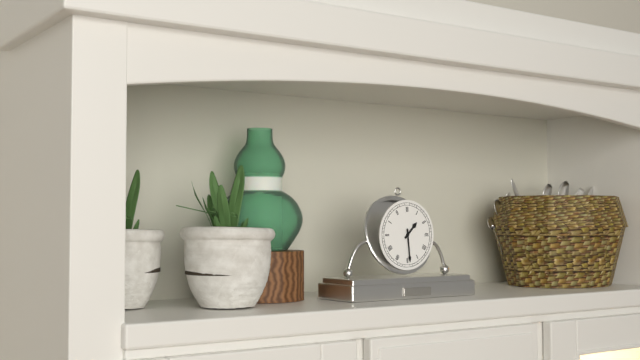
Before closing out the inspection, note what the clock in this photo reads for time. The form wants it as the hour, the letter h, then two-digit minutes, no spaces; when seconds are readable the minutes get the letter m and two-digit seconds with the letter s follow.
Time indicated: 1h29
